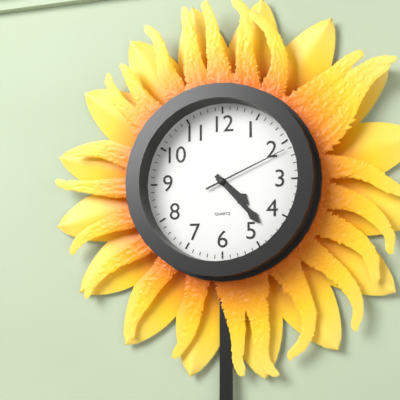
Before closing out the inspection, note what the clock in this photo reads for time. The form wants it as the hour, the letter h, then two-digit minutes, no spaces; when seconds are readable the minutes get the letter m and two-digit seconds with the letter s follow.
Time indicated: 4h23m11s
